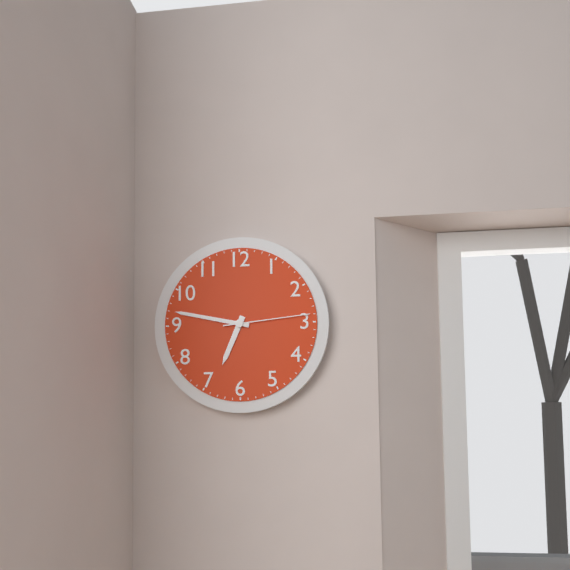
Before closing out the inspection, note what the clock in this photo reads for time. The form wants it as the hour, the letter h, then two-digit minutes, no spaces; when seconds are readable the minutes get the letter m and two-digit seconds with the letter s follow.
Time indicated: 6h47m14s
